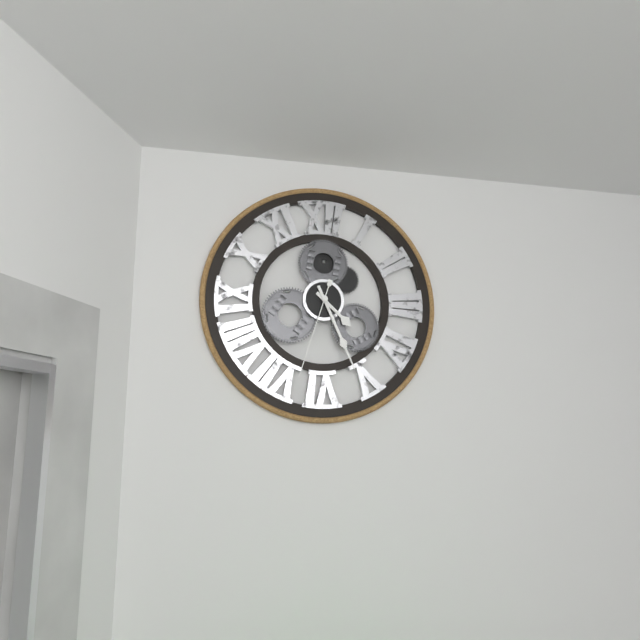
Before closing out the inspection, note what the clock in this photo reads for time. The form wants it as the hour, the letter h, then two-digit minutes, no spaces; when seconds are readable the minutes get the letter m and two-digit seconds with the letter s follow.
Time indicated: 4h26m33s
